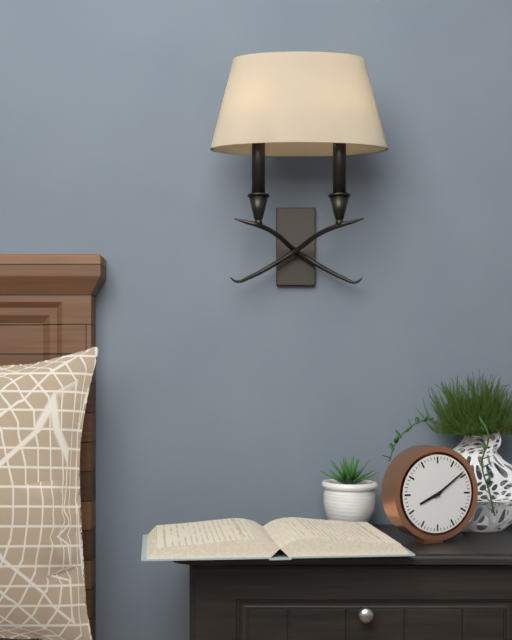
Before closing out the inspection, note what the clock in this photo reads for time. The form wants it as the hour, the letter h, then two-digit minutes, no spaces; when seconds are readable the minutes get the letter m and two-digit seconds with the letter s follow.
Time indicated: 8h09
